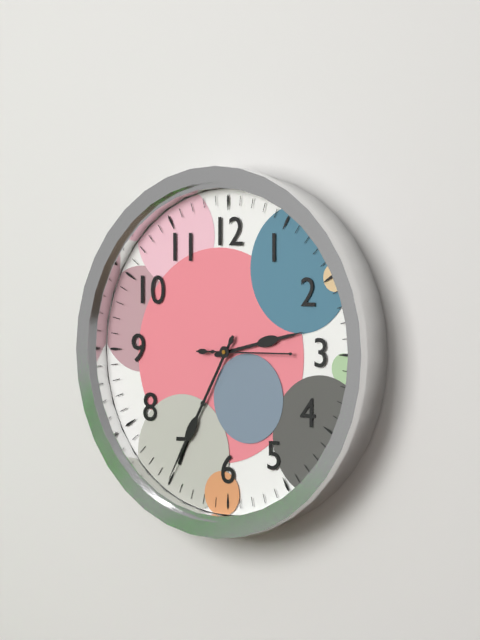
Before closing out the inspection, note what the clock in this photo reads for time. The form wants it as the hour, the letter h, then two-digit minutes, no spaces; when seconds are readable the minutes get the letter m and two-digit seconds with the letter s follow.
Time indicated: 2h35m15s
